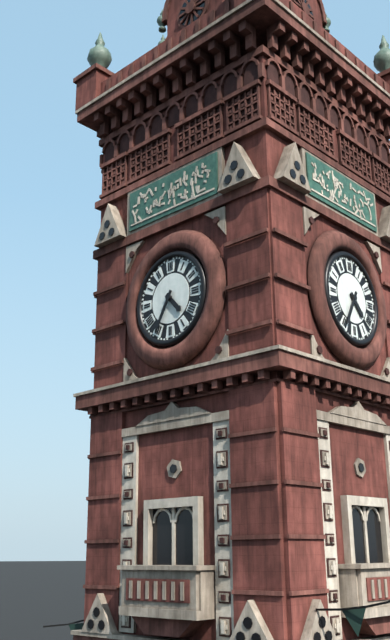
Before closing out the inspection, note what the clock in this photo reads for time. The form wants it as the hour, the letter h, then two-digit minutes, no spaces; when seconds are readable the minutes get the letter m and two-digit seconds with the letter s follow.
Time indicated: 4h35
